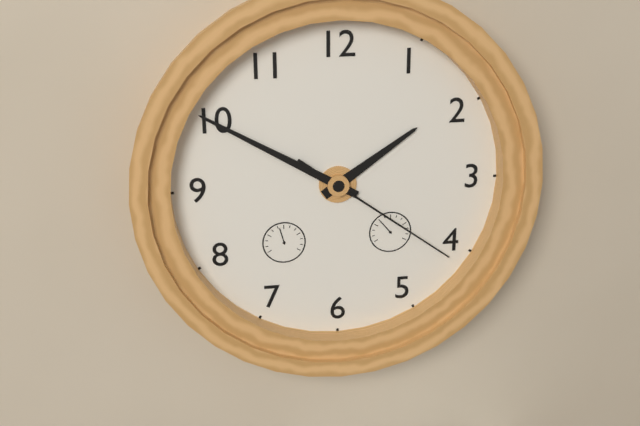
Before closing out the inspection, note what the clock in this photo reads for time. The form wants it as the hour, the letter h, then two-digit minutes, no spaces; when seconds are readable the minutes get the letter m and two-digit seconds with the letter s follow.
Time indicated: 1h50m21s
